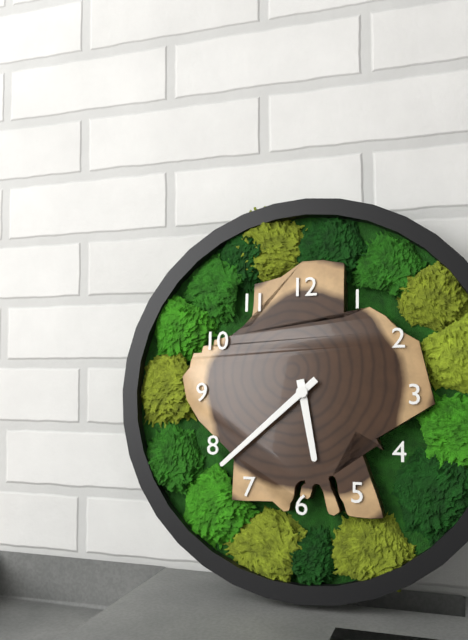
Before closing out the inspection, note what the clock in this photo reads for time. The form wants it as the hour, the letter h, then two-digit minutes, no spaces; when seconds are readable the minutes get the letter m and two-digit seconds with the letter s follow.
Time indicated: 5h38
